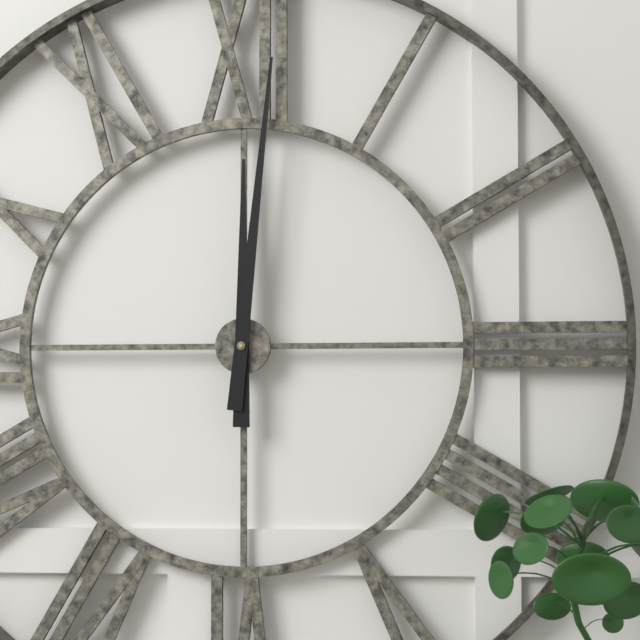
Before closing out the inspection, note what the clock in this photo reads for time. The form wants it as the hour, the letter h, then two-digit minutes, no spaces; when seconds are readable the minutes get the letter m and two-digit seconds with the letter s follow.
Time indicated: 12h01
